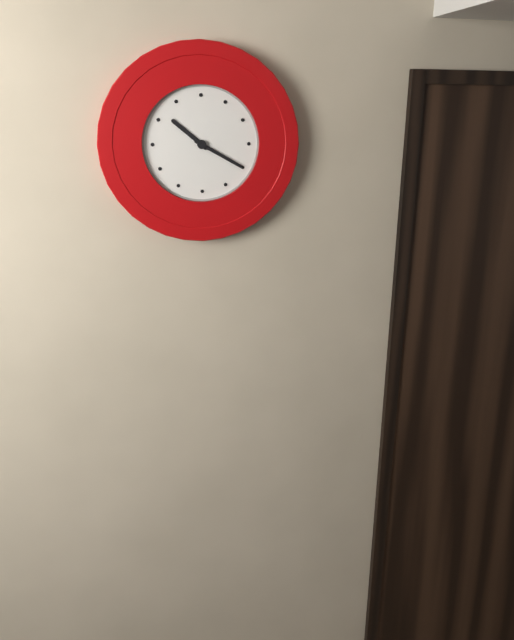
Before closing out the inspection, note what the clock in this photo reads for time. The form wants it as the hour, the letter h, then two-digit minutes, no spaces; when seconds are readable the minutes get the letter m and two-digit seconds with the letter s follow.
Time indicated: 10h20
